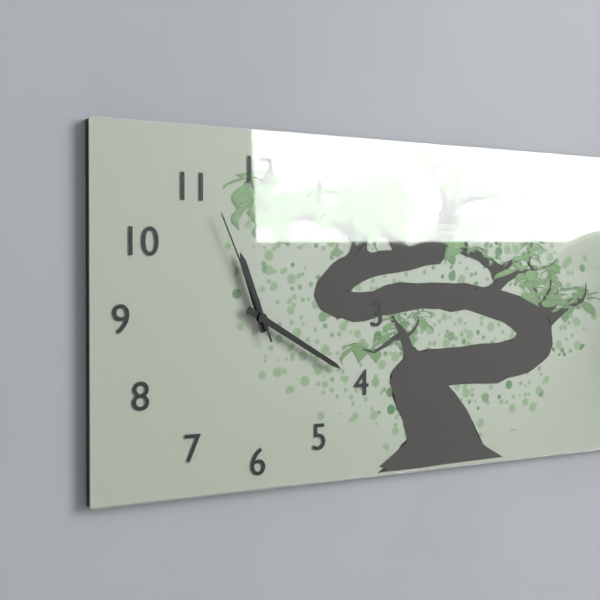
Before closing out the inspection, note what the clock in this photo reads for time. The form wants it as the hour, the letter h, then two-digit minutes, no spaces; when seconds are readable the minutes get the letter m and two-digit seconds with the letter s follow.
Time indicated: 11h20m56s
